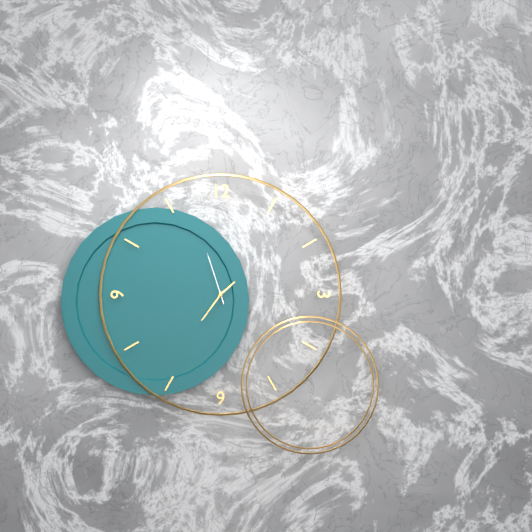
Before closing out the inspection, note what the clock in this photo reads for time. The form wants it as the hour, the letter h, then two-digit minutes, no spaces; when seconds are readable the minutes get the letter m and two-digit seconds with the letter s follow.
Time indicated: 1h36m57s
